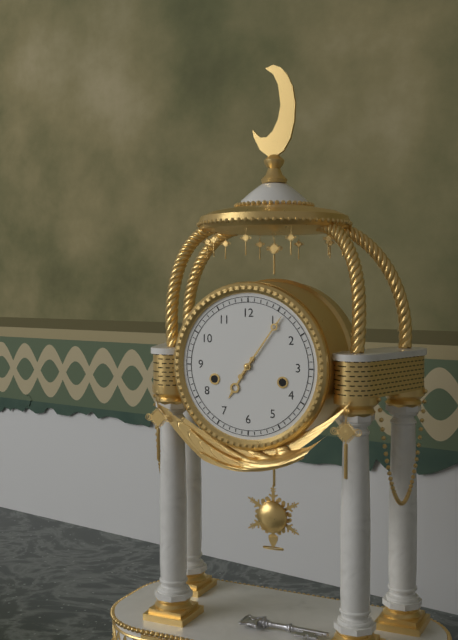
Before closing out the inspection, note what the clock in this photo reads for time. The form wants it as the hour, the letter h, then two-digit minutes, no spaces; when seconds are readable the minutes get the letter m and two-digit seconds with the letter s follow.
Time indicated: 7h06
